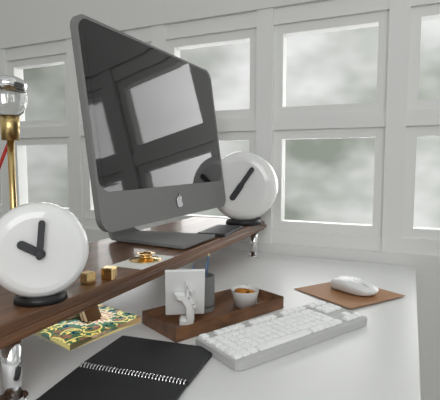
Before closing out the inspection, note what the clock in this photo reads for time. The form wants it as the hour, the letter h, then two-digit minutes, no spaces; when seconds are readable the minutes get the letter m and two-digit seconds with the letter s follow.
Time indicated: 10h01
